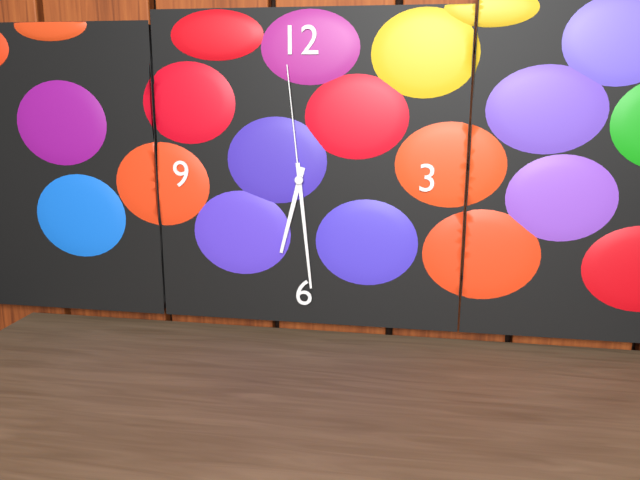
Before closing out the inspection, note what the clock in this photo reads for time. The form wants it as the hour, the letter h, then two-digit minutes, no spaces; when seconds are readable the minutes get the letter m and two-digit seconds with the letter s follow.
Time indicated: 6h29m59s
